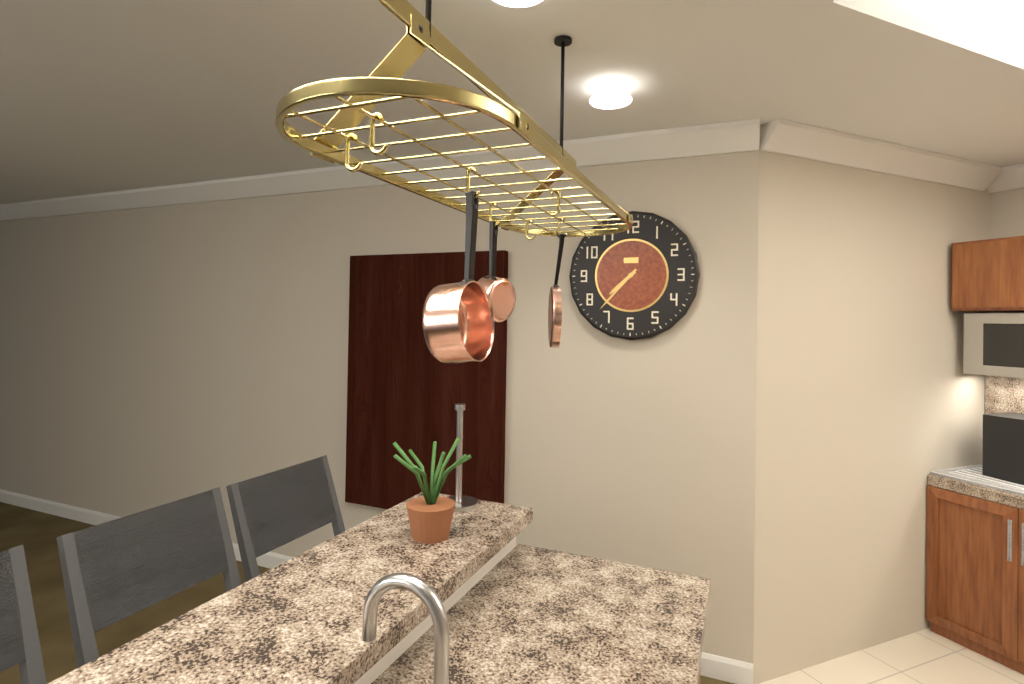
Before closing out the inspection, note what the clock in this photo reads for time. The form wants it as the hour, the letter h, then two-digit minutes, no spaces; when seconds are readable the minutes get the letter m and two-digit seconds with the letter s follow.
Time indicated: 7h37
